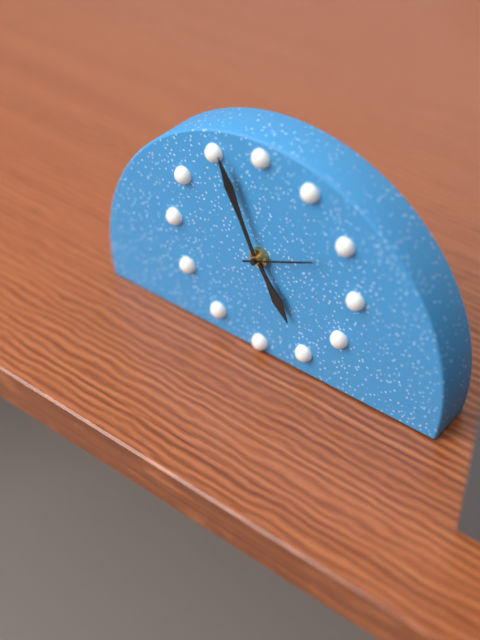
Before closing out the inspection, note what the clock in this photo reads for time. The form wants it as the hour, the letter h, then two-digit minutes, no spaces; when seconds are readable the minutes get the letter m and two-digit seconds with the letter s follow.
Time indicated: 4h56m11s
